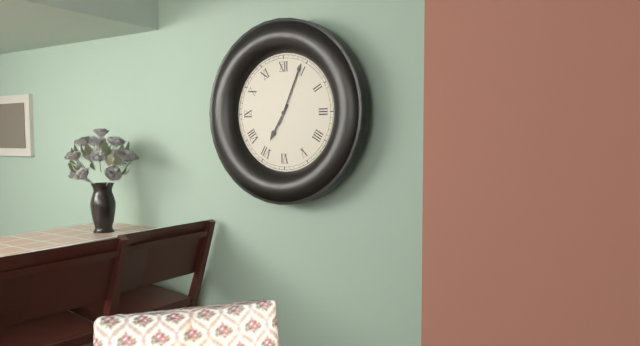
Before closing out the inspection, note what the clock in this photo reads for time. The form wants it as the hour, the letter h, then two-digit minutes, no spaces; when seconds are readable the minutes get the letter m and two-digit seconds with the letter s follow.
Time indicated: 7h04
